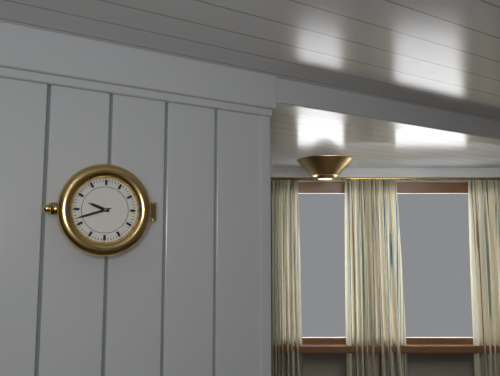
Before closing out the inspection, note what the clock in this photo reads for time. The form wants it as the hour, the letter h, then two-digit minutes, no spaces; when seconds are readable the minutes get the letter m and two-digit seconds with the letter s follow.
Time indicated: 9h42
